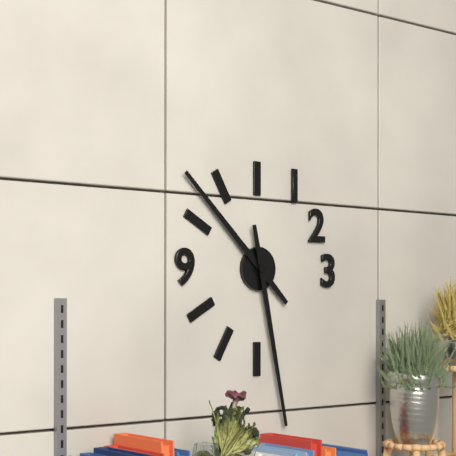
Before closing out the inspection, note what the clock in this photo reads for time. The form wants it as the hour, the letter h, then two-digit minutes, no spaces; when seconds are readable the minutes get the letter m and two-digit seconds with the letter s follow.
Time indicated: 10h28
